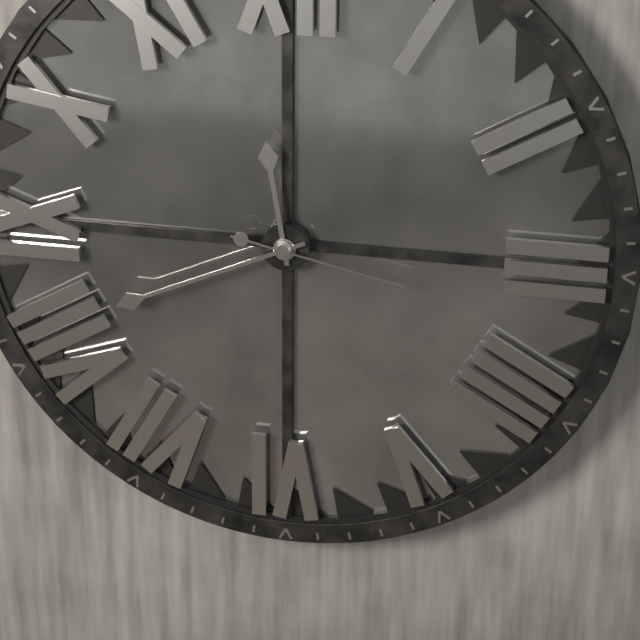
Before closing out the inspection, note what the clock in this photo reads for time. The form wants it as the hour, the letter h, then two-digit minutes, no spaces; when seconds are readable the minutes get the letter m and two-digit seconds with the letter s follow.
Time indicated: 11h41m17s
